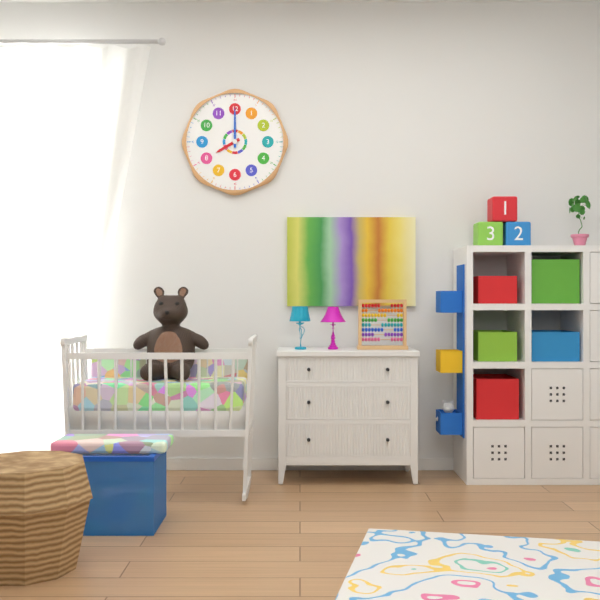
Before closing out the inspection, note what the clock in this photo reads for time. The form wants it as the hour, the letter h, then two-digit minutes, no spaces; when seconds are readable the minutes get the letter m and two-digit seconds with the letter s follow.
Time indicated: 8h00
